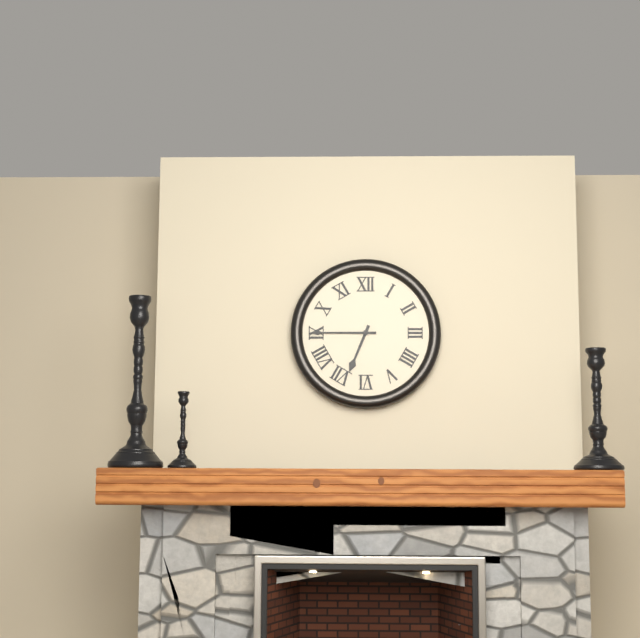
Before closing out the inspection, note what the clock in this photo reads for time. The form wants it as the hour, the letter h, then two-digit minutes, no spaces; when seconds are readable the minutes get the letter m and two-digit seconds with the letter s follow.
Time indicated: 6h45
